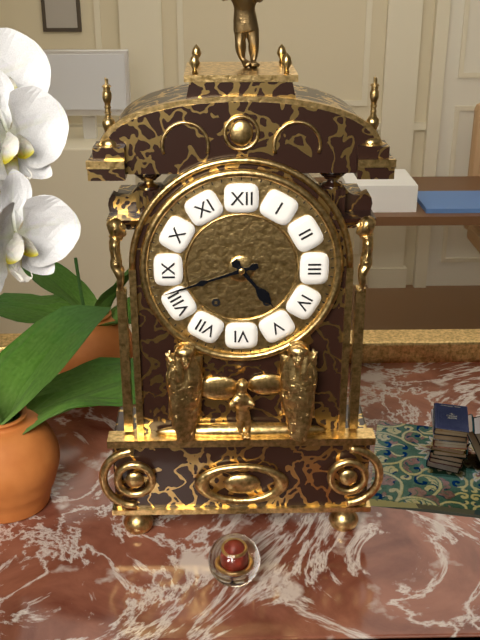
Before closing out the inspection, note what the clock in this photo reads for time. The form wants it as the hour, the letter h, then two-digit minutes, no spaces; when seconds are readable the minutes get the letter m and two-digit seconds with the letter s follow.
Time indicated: 4h42
